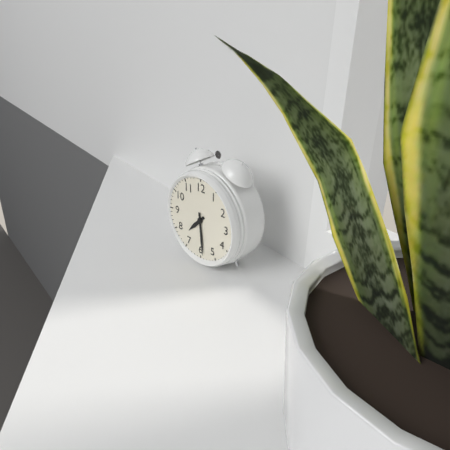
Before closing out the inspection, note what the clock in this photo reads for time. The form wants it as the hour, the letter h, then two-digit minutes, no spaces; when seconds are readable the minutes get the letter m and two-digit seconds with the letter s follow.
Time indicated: 7h29
